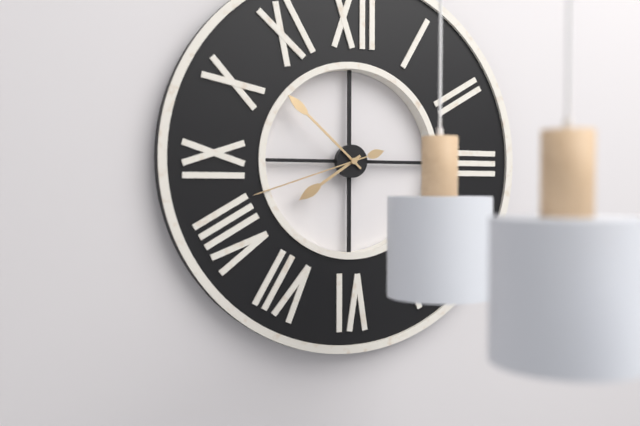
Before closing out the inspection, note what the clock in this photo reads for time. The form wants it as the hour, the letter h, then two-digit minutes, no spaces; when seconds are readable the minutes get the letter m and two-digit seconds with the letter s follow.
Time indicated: 7h52m42s
